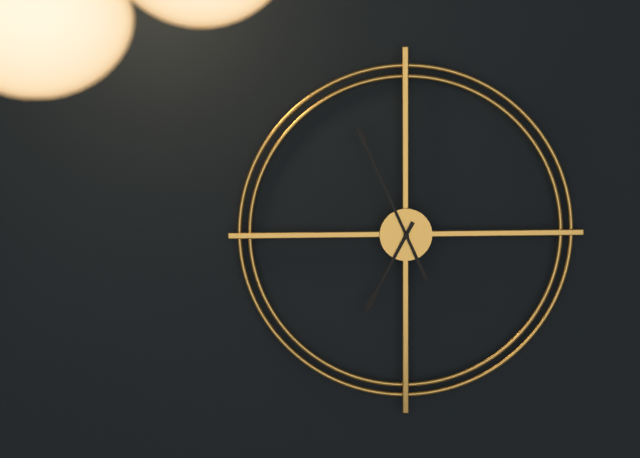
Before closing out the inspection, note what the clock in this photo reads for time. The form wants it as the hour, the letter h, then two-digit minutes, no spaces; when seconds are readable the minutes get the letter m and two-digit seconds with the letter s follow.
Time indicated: 6h56
